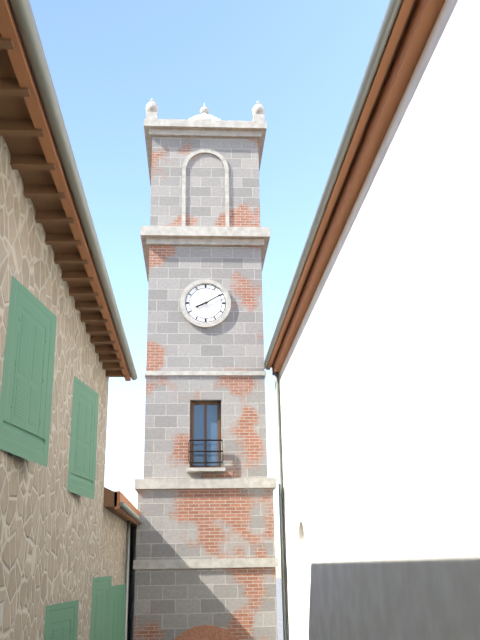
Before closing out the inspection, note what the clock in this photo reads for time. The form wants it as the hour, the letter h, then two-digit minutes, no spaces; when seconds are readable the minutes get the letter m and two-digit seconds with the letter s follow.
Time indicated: 8h10
